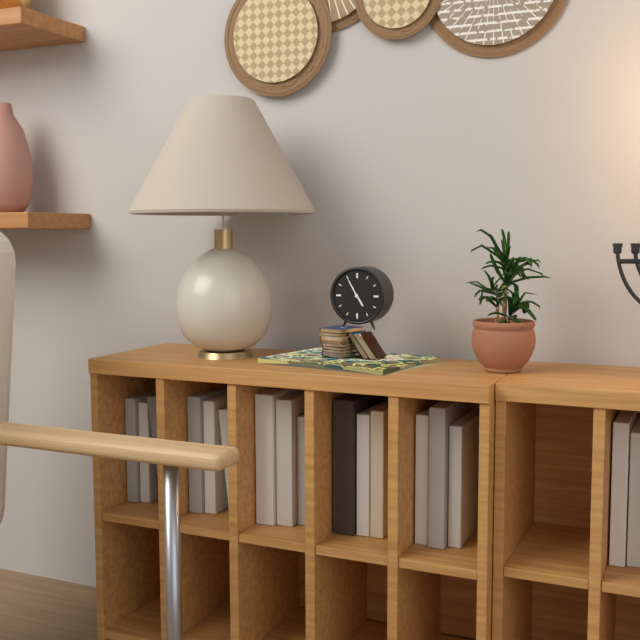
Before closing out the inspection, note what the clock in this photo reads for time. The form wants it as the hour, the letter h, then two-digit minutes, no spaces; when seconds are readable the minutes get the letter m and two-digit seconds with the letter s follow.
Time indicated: 4h55
